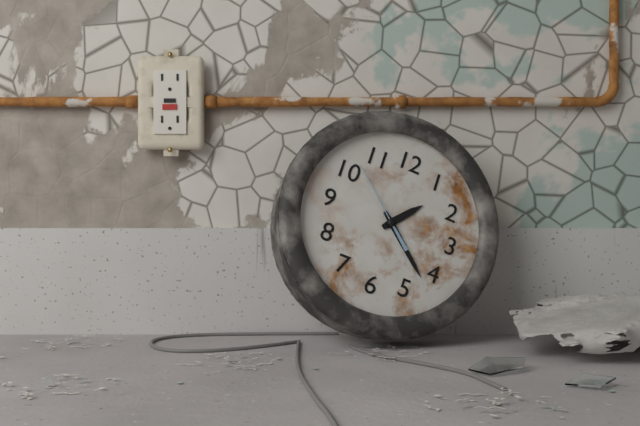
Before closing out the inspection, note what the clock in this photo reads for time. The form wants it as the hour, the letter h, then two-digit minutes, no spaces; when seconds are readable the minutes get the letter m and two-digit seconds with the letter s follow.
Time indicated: 1h22m52s
